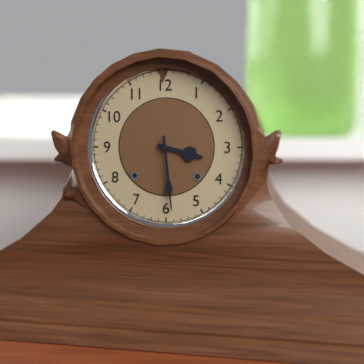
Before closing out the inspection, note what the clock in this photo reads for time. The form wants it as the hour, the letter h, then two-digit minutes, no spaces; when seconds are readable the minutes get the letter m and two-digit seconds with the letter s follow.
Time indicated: 3h29
